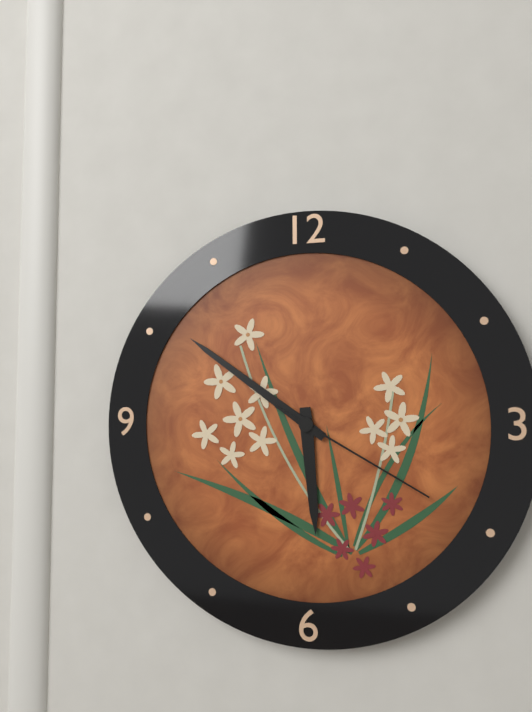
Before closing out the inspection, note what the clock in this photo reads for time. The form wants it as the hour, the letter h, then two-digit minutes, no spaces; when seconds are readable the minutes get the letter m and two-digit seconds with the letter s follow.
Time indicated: 5h51m20s
